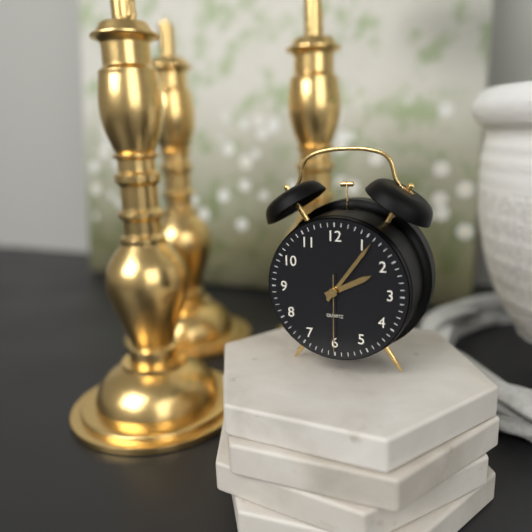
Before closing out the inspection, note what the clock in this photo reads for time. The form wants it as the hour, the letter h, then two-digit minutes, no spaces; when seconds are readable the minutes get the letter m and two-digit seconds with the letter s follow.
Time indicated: 2h06m30s
